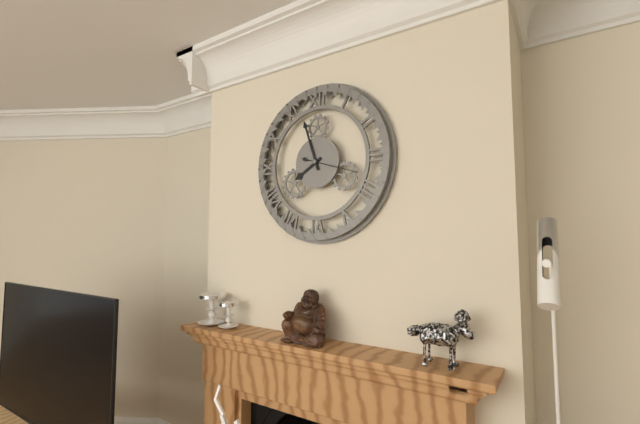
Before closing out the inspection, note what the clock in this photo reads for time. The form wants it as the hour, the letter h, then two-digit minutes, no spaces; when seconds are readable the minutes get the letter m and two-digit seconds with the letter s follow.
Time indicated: 7h57m18s
